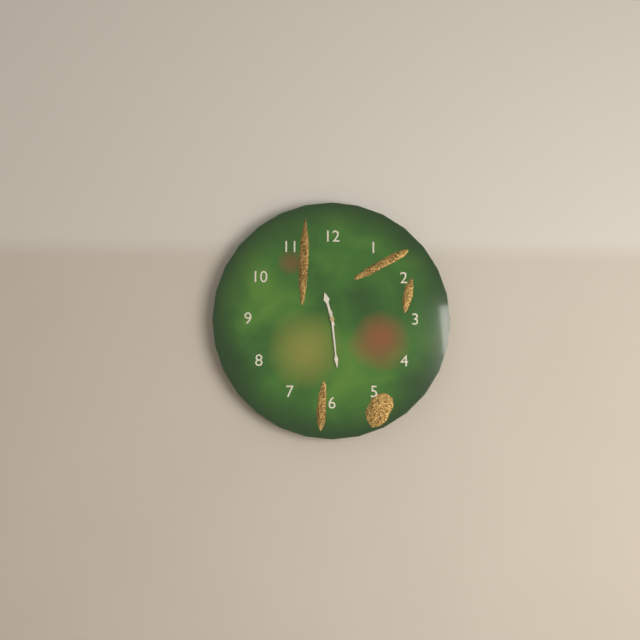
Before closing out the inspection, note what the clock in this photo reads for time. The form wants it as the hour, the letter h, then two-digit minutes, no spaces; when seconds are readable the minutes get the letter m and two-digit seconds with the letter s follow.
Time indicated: 11h29
